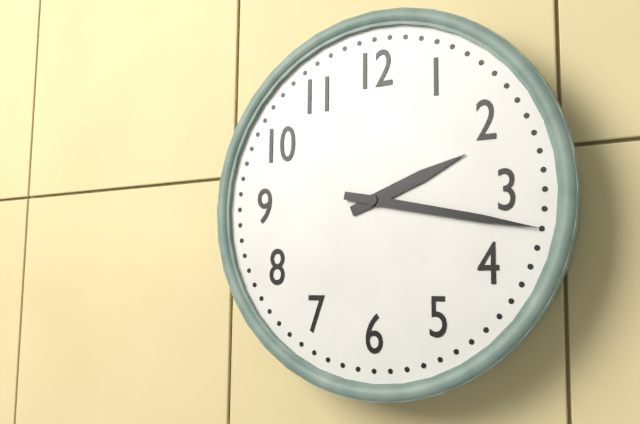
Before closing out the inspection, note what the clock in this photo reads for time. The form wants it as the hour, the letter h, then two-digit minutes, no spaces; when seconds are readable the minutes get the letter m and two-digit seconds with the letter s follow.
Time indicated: 2h17
